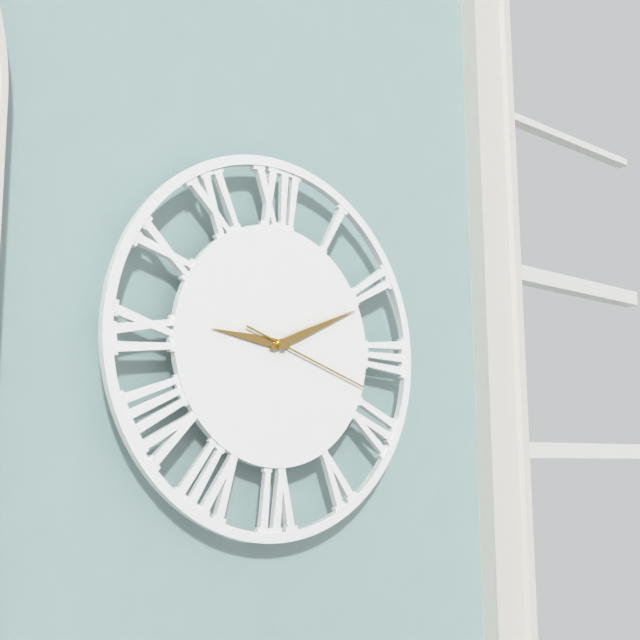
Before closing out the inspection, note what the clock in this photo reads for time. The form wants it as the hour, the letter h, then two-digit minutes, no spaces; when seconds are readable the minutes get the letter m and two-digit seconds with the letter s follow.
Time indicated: 9h11m18s
